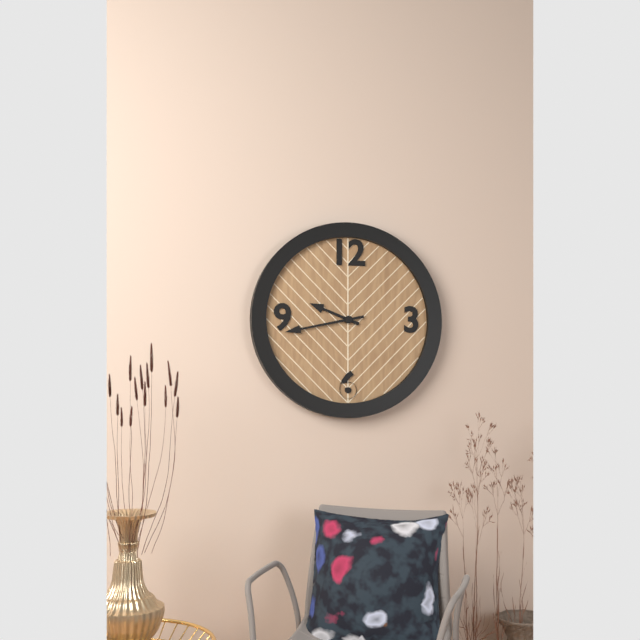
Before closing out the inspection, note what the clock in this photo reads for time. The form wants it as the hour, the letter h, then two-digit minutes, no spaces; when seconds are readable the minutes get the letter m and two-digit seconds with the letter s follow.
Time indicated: 9h43
